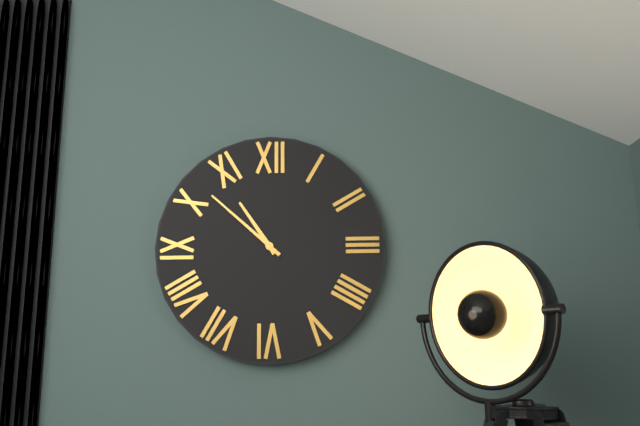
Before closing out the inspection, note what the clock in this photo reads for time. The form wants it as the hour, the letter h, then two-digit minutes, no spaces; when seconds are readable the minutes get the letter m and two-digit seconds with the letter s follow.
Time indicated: 10h52
